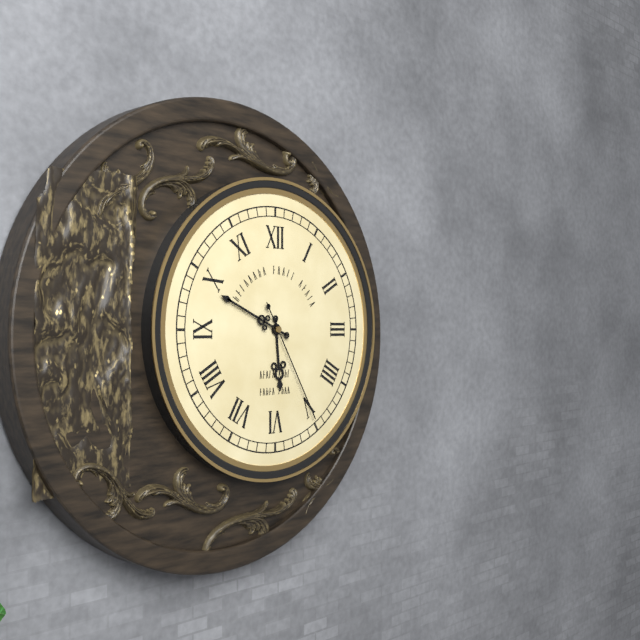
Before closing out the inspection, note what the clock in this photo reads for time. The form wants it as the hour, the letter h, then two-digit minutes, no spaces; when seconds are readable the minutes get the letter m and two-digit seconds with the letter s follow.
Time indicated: 5h49m25s
